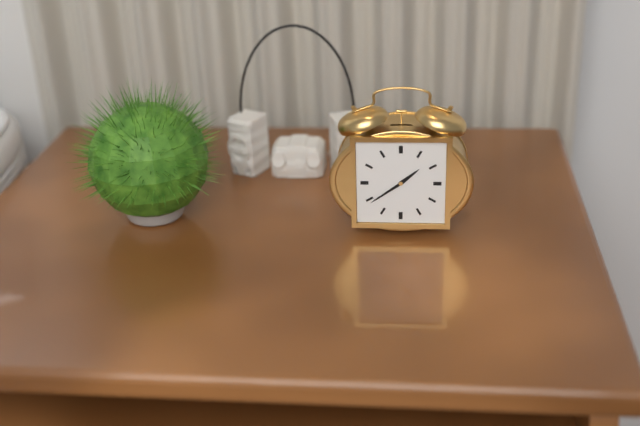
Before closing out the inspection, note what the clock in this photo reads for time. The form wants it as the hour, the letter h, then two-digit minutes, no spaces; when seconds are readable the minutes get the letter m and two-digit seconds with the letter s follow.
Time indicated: 1h39
